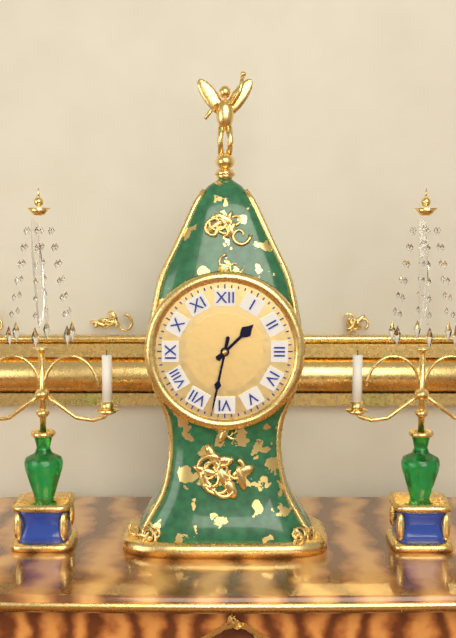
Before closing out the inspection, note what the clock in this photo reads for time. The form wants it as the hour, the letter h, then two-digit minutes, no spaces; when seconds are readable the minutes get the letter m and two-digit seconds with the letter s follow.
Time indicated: 1h32
